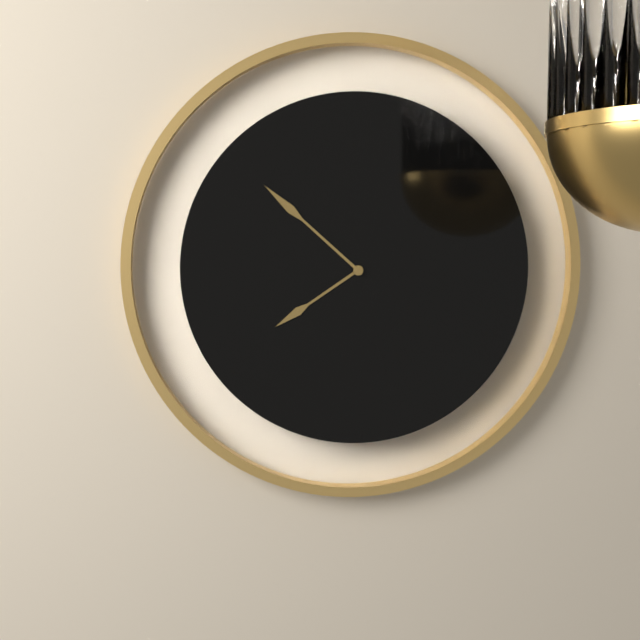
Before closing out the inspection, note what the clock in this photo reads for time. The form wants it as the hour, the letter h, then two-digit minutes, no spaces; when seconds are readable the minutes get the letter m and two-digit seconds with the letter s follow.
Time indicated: 7h52
